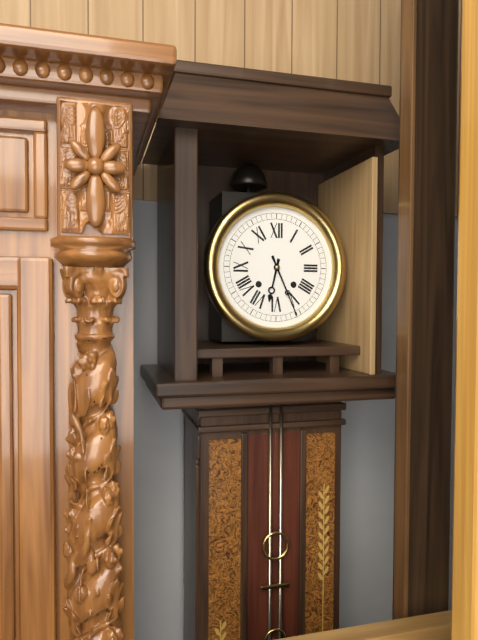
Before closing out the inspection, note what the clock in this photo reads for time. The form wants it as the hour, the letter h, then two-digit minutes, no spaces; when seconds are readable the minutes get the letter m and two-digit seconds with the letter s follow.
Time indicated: 6h26
